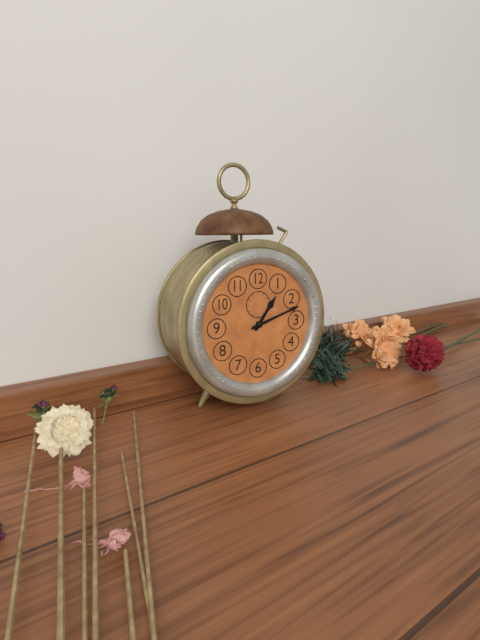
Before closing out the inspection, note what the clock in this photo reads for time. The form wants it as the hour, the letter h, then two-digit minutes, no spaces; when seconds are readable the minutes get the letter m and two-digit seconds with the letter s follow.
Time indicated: 1h12
